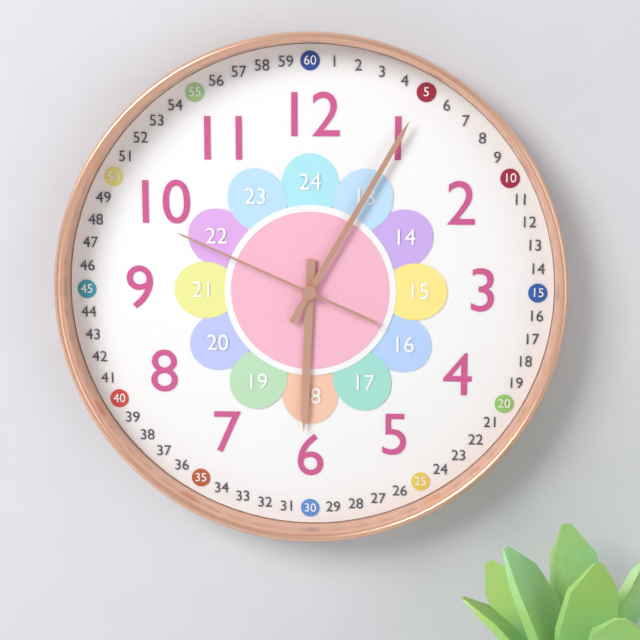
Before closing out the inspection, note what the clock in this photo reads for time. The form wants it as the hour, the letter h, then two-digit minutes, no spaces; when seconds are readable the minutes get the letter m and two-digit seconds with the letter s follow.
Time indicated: 6h05m49s
